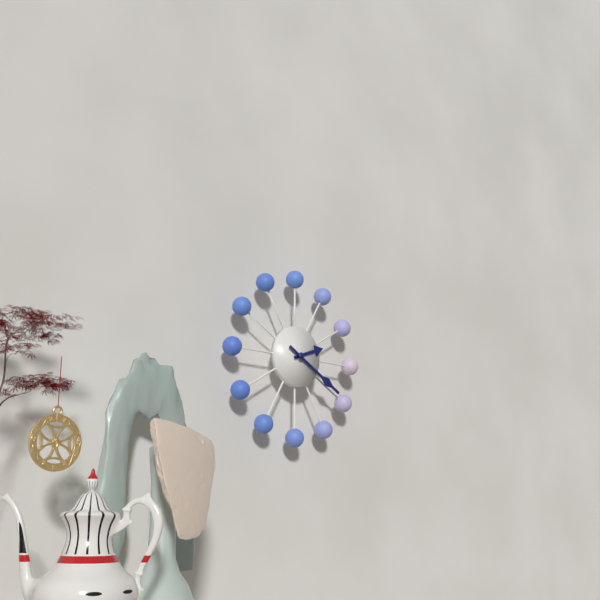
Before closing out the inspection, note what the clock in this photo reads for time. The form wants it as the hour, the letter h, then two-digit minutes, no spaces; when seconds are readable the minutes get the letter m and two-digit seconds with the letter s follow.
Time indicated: 2h20
